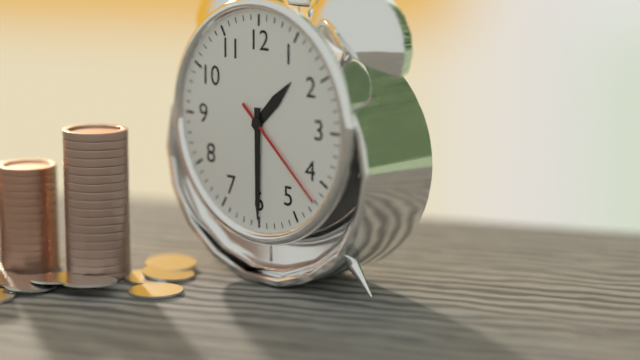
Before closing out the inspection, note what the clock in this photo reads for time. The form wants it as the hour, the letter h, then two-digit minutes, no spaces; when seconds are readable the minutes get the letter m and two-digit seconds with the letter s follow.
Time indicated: 1h30m22s
